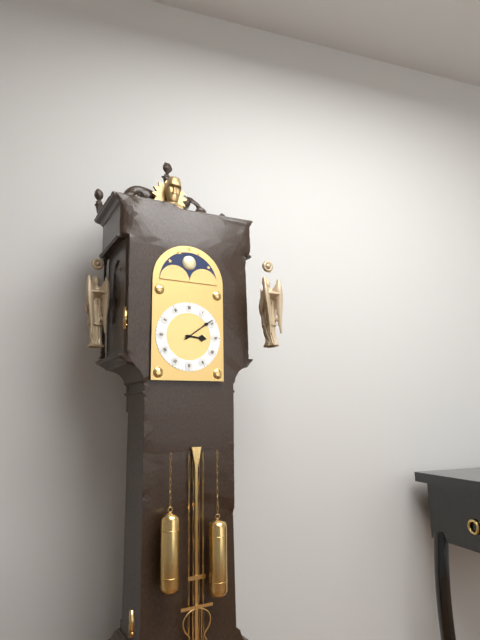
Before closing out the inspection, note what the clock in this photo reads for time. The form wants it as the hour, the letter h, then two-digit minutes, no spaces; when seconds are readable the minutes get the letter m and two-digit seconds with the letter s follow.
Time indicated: 3h09
